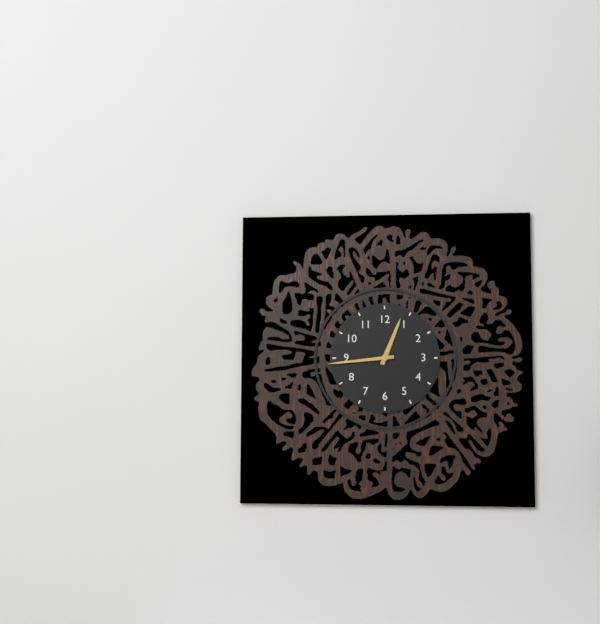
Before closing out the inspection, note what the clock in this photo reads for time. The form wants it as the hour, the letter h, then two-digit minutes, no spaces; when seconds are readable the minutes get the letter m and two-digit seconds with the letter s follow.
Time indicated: 12h44
